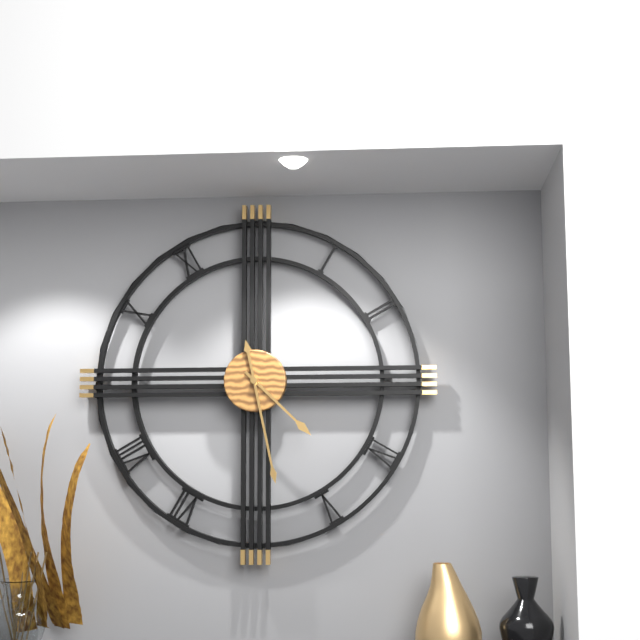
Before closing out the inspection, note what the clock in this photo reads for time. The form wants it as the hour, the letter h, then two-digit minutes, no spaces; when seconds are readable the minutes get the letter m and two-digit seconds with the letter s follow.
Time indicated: 4h28
